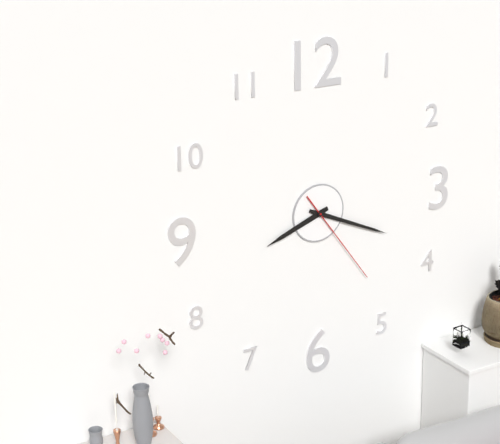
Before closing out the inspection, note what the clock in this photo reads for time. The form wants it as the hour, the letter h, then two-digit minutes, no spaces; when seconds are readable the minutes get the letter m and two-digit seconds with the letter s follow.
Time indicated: 8h19m24s
